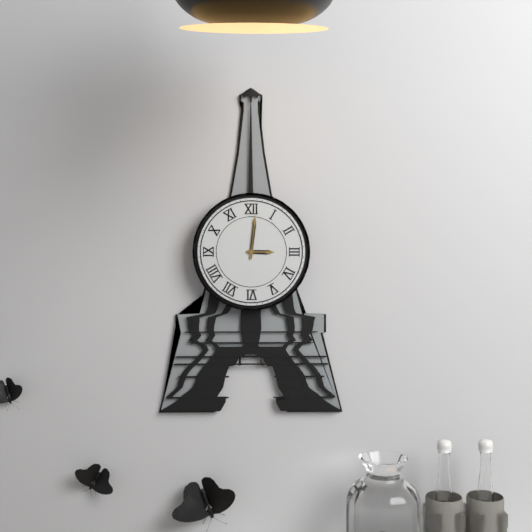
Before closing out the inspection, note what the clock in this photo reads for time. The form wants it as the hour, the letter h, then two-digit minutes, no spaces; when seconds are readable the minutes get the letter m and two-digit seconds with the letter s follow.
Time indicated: 3h01
